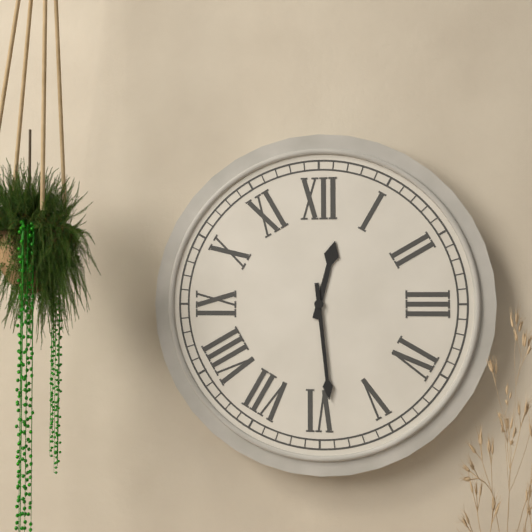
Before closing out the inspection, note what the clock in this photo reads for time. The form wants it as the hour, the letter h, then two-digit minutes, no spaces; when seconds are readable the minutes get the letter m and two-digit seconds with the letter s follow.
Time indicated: 12h29
